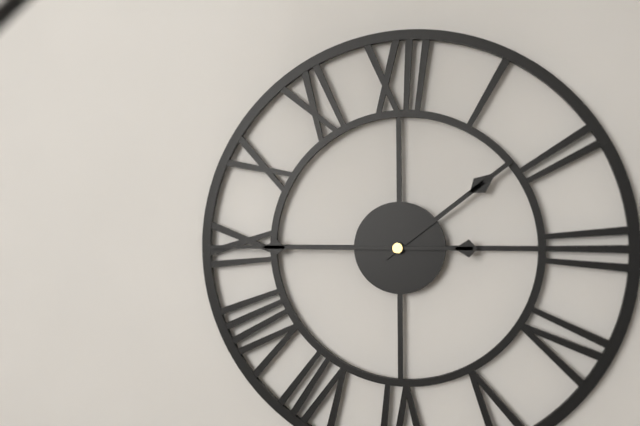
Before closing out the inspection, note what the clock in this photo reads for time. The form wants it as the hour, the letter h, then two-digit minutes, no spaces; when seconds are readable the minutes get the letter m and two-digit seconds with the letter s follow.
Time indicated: 1h45
